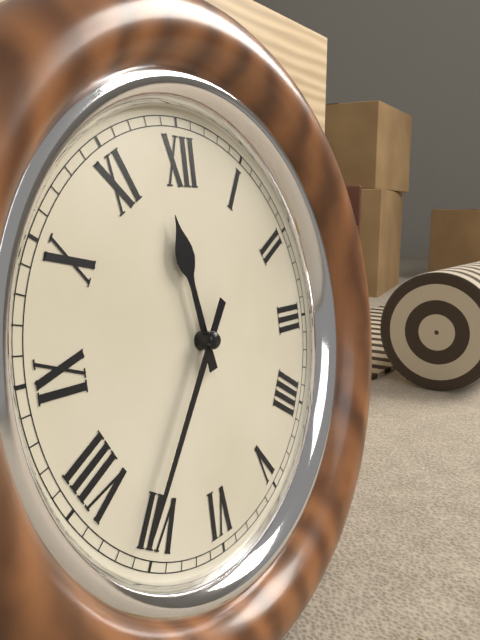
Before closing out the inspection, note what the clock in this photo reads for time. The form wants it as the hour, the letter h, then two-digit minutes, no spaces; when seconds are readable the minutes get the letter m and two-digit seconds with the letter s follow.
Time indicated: 11h36
